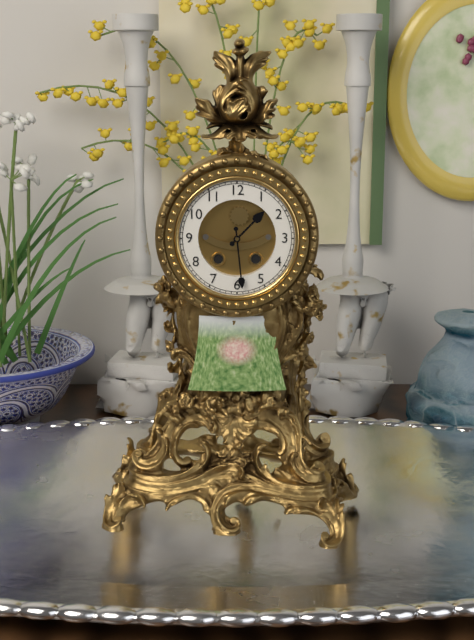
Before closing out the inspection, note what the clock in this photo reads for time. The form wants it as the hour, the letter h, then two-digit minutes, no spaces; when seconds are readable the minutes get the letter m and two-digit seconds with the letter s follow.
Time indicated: 1h29
